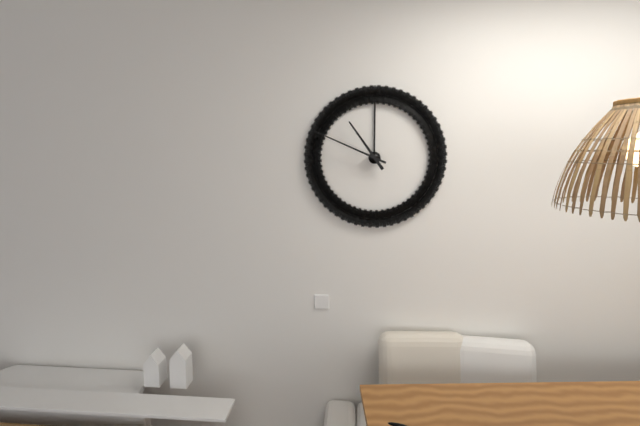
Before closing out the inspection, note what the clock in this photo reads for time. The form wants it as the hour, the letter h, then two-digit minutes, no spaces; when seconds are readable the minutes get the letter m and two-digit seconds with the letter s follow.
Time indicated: 10h49
